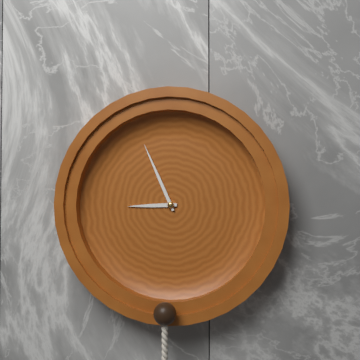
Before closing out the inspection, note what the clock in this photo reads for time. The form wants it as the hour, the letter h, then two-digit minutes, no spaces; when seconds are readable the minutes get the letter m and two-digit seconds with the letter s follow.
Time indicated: 8h56
